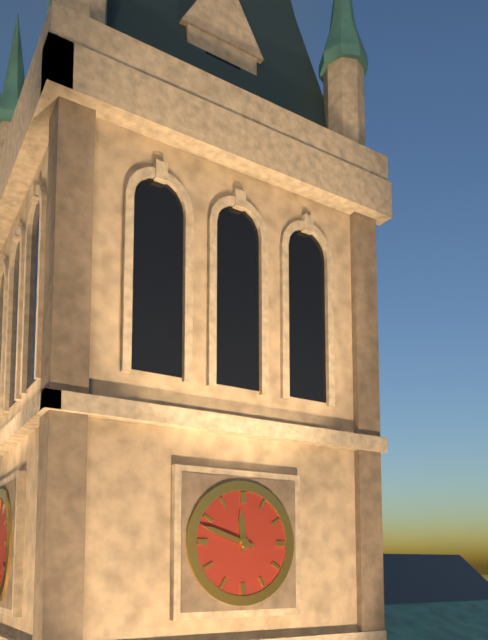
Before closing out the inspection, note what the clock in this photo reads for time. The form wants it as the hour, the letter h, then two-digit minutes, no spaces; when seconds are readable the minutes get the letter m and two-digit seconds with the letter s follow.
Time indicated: 11h48
